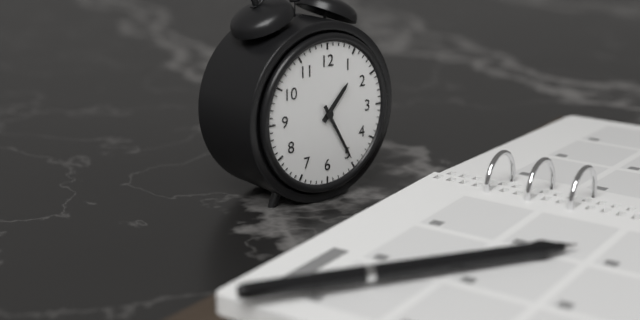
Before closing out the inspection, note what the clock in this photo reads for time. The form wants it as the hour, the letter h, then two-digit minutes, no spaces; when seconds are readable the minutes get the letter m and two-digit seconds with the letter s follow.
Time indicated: 1h25
